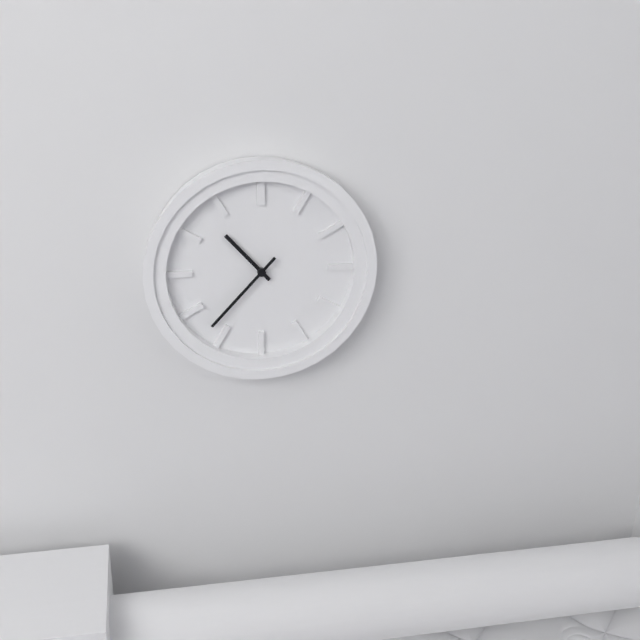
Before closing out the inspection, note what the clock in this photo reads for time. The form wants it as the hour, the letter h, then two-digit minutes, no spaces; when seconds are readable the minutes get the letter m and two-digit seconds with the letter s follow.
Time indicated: 10h37
